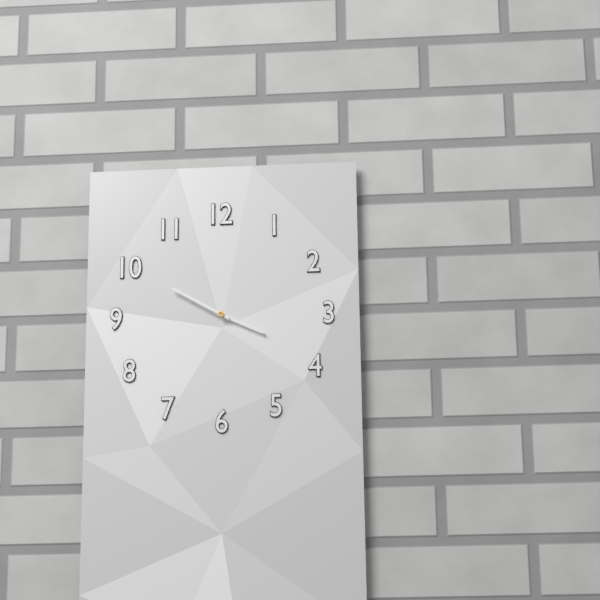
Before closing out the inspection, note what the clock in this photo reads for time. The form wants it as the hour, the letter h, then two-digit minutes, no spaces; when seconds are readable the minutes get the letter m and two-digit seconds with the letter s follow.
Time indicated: 3h50
